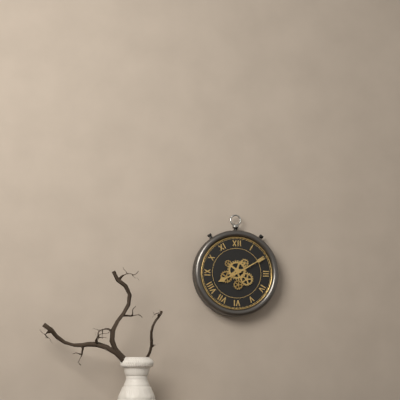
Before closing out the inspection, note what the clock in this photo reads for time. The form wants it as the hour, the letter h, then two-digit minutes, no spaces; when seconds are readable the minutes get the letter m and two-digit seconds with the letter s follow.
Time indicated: 8h10
